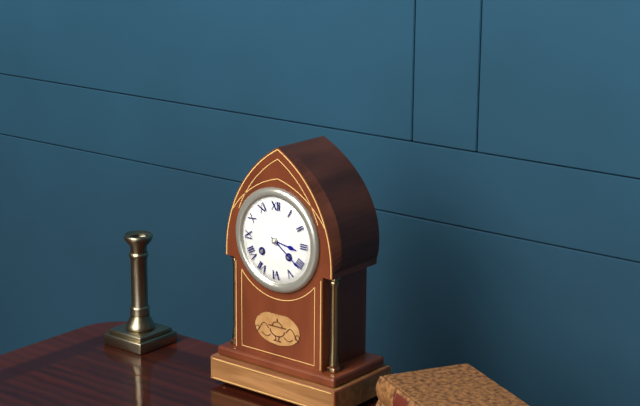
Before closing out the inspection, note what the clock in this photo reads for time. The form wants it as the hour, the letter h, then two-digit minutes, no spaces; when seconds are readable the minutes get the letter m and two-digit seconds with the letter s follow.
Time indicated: 3h21
